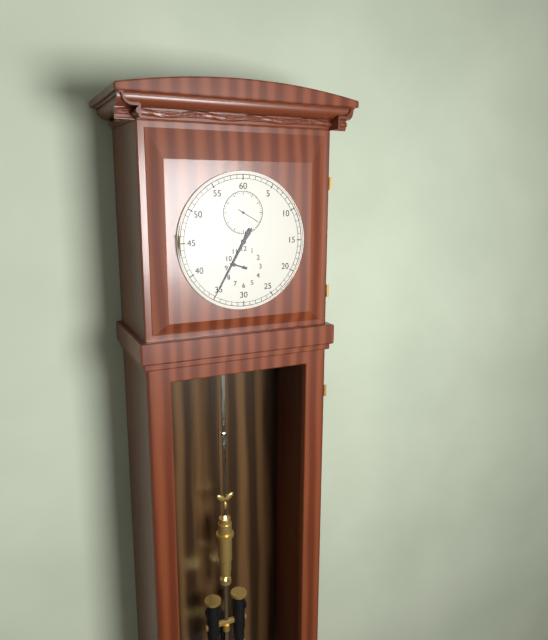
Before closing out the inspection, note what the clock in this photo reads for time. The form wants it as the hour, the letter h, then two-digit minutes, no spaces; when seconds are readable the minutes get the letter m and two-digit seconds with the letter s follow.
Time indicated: 9h35
